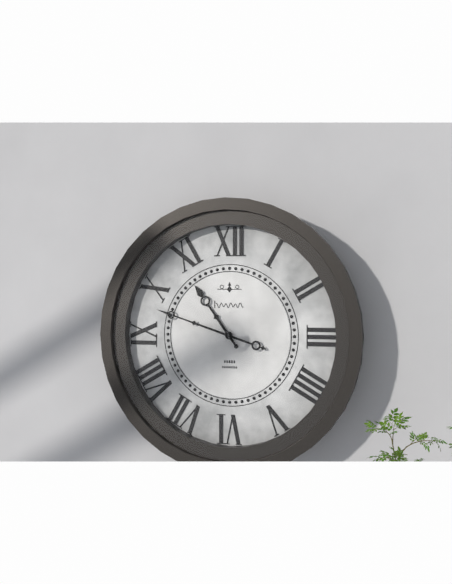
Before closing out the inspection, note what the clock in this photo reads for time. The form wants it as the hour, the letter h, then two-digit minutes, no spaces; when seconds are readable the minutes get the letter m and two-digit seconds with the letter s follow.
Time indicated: 10h48
